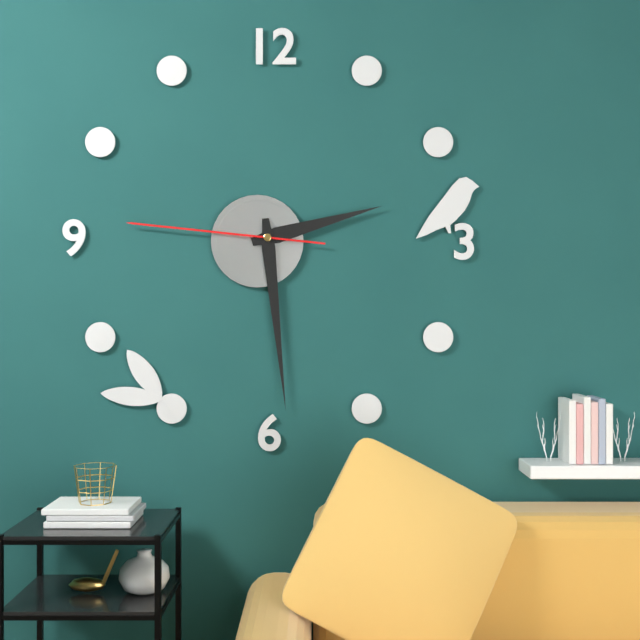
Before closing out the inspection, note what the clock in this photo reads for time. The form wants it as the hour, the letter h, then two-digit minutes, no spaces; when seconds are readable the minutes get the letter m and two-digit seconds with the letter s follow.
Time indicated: 2h29m46s
